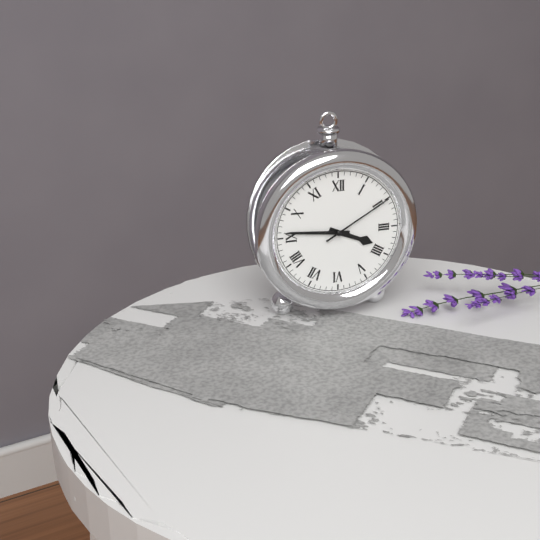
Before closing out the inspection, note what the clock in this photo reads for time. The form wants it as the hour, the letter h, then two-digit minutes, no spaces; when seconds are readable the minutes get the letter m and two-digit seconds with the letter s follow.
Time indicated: 3h46m10s
